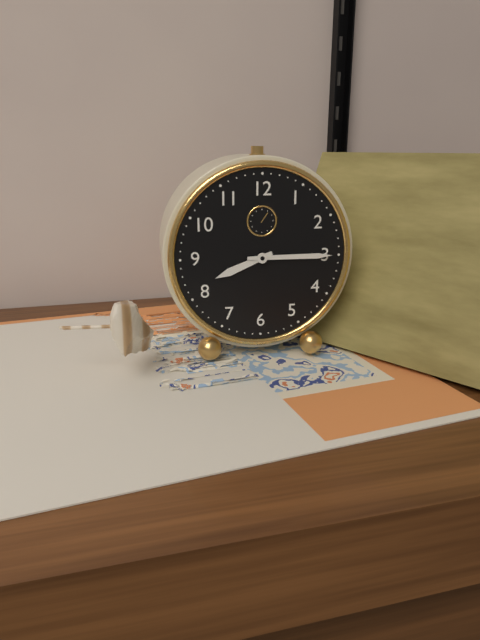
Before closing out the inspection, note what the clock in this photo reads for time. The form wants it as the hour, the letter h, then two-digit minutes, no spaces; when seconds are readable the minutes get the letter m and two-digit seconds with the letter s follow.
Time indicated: 8h15
